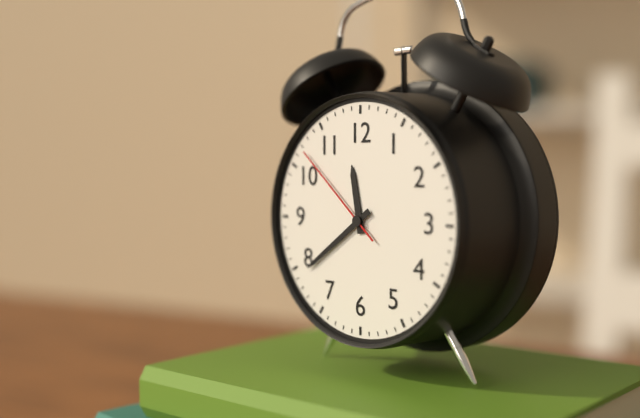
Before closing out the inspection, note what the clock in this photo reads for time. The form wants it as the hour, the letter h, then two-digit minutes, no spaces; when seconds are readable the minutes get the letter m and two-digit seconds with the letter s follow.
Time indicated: 11h39m52s
